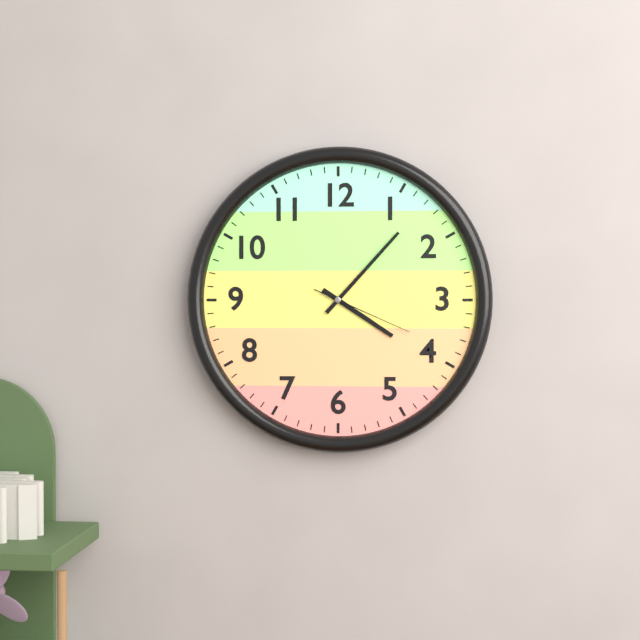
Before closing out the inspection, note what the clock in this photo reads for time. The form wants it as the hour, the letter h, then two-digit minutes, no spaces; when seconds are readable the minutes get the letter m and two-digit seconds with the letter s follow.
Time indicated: 4h07m19s
